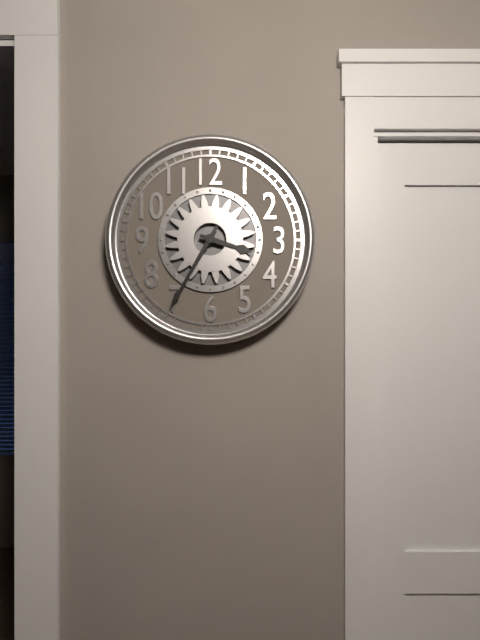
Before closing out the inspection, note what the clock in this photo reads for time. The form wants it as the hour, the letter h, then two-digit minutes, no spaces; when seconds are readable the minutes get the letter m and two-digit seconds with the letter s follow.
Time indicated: 3h35
